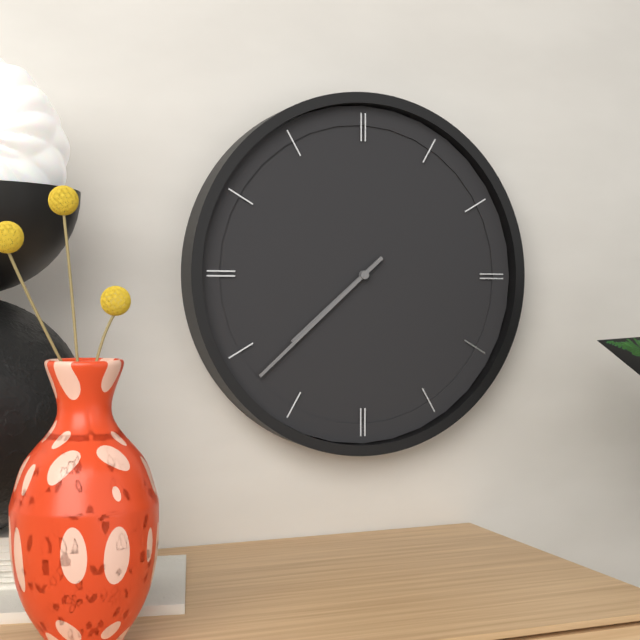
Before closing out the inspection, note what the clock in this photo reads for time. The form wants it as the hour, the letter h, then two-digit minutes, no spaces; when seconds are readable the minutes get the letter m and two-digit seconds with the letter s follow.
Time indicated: 7h38
